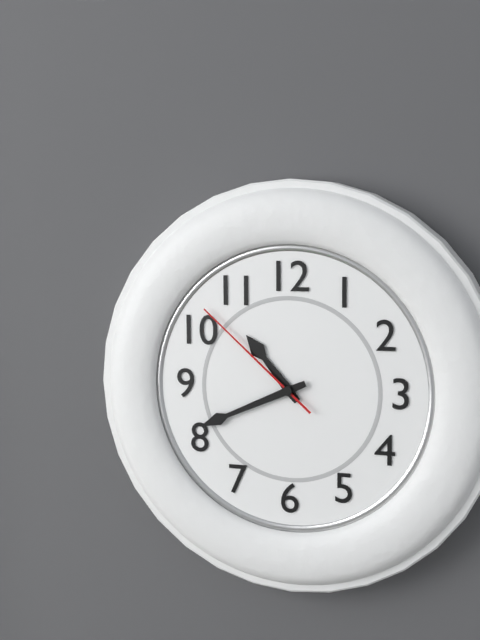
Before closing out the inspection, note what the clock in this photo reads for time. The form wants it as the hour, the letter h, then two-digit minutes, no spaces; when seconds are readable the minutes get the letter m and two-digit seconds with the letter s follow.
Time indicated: 10h41m52s
